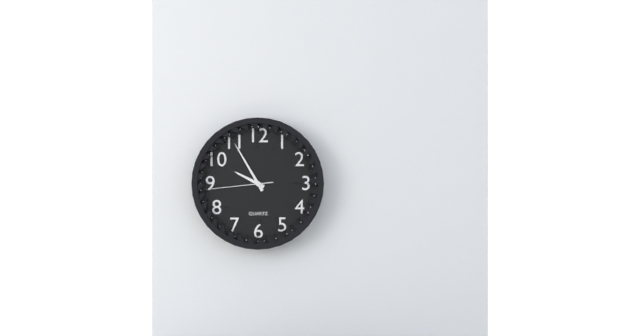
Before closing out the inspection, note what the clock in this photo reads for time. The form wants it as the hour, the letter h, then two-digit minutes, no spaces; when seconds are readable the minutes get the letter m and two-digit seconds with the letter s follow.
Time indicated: 9h55m44s
